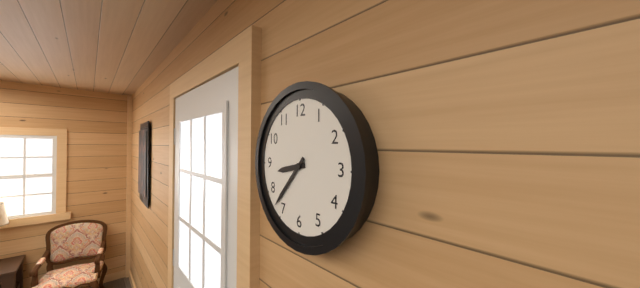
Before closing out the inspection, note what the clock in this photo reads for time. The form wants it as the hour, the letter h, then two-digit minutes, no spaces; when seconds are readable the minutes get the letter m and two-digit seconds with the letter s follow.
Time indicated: 8h37
